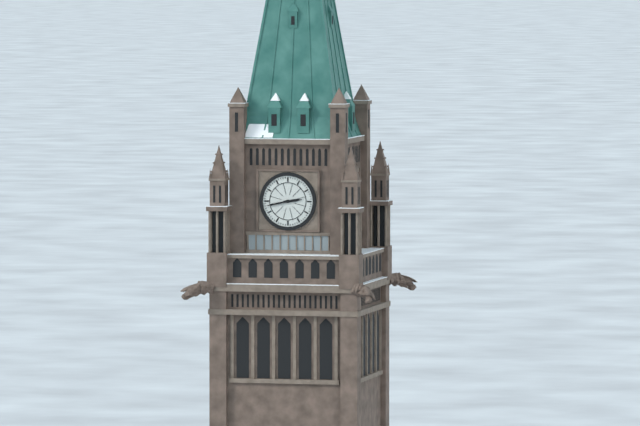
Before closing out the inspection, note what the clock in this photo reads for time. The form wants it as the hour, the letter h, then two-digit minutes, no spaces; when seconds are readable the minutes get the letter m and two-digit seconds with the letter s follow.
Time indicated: 2h43
